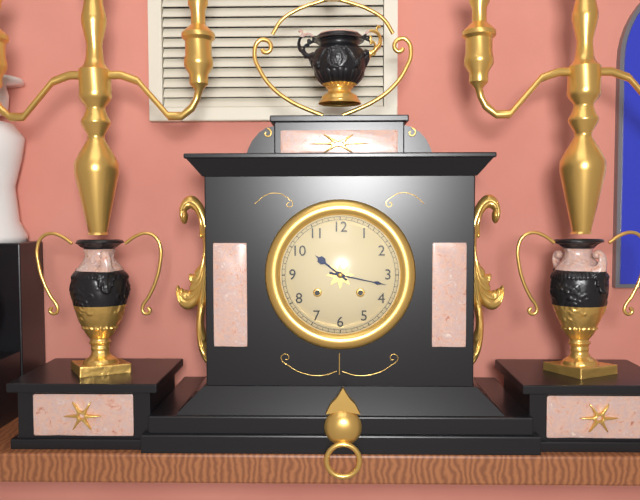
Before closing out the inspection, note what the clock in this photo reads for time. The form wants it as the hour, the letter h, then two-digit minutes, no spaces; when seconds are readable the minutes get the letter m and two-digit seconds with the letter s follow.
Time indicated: 10h17
